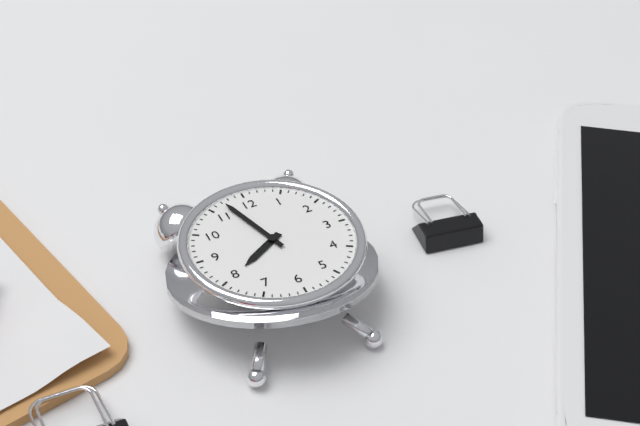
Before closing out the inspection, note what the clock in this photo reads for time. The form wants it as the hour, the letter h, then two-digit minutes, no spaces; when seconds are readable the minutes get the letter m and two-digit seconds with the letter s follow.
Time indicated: 7h57
